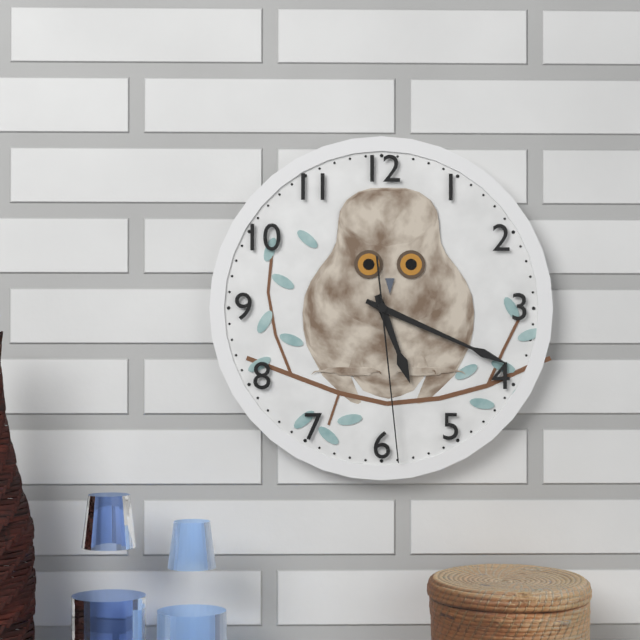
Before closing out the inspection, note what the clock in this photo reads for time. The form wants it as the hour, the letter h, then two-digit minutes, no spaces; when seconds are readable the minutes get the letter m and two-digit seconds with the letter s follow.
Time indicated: 5h19m29s
